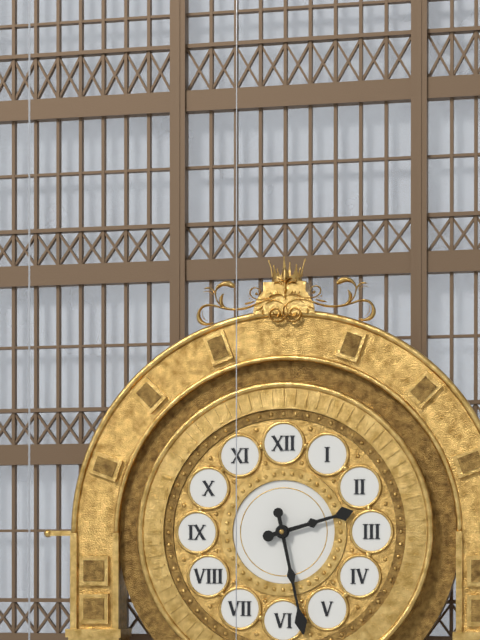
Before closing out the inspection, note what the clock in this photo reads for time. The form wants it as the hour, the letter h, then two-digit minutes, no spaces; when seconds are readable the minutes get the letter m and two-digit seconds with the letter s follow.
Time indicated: 2h28
